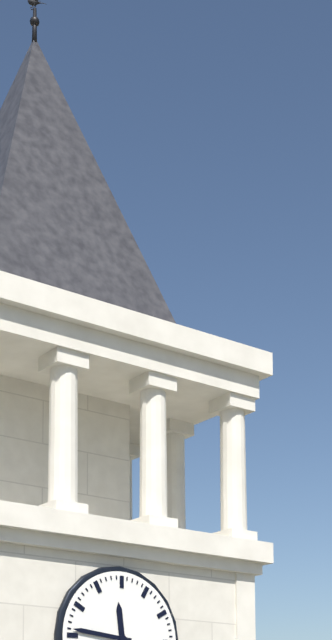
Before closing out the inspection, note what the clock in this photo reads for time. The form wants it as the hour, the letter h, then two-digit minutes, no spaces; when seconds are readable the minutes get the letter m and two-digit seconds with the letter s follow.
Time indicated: 11h46
